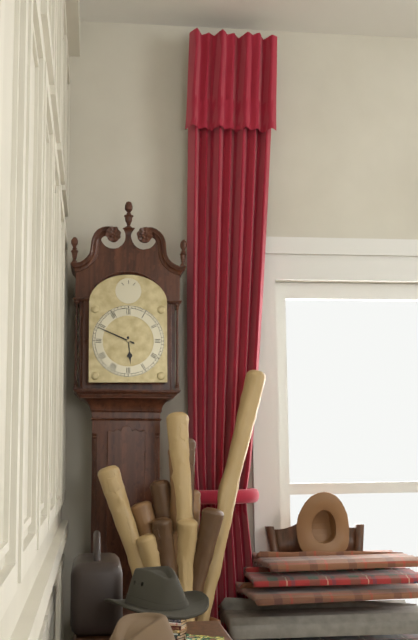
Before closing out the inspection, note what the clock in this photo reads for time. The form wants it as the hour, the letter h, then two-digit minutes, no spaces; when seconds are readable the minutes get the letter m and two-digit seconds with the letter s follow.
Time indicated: 5h49
